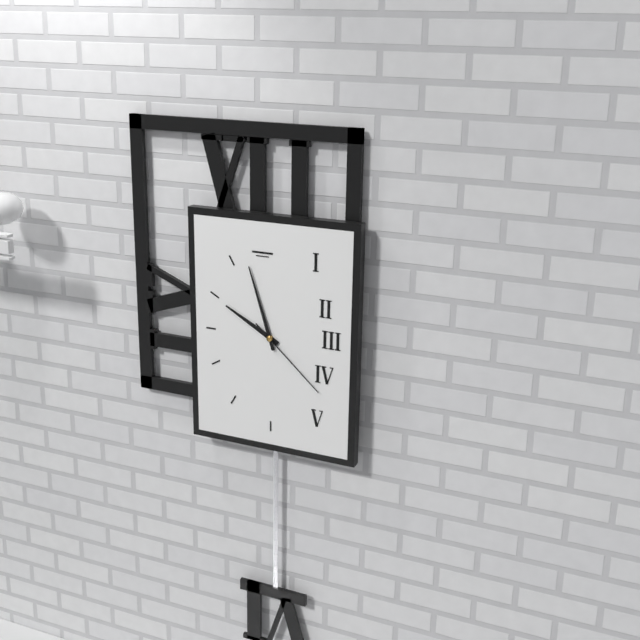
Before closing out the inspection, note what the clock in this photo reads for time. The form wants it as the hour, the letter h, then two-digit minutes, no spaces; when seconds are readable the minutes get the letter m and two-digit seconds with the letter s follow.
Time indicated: 9h57m22s
